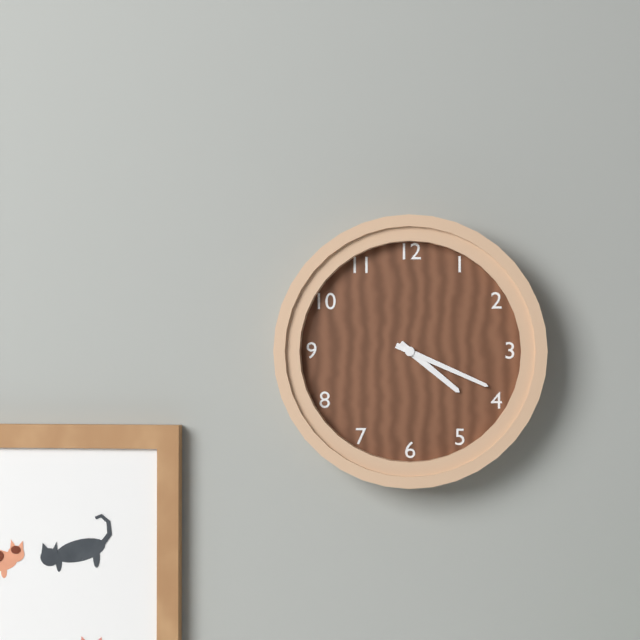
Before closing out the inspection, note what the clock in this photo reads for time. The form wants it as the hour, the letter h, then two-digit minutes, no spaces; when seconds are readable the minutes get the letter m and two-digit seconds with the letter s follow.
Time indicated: 4h19
